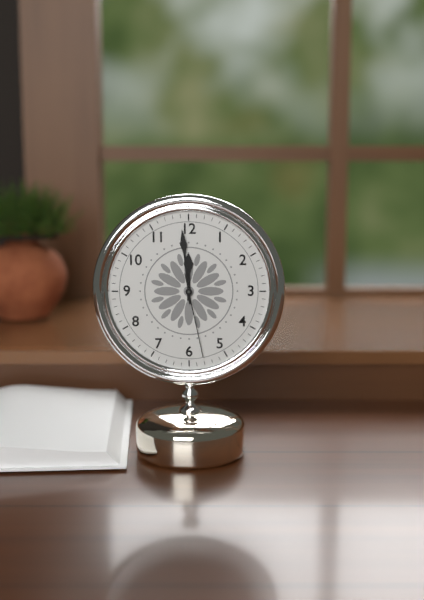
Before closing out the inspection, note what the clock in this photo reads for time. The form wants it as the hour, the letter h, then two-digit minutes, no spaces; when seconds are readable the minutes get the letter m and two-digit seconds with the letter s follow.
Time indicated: 11h59m28s
